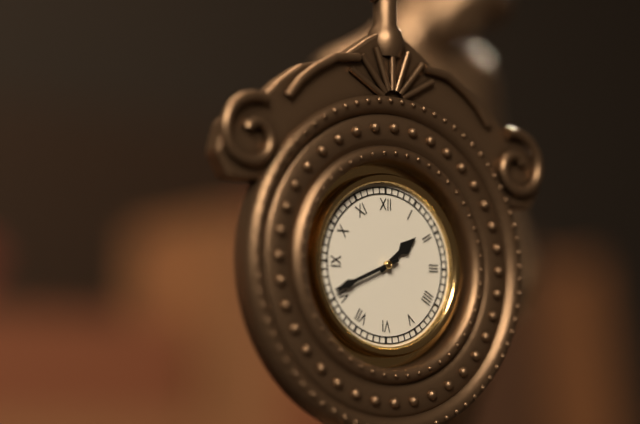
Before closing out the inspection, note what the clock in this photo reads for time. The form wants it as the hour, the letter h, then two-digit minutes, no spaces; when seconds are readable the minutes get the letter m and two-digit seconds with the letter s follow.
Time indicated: 1h41
